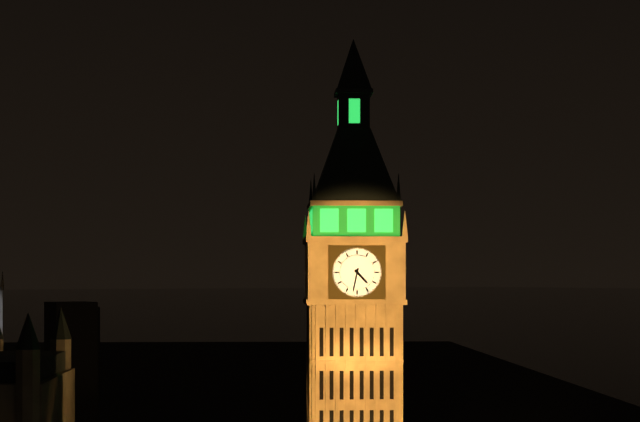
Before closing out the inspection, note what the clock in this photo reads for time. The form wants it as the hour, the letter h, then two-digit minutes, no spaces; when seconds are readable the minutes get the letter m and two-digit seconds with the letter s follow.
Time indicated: 4h32
